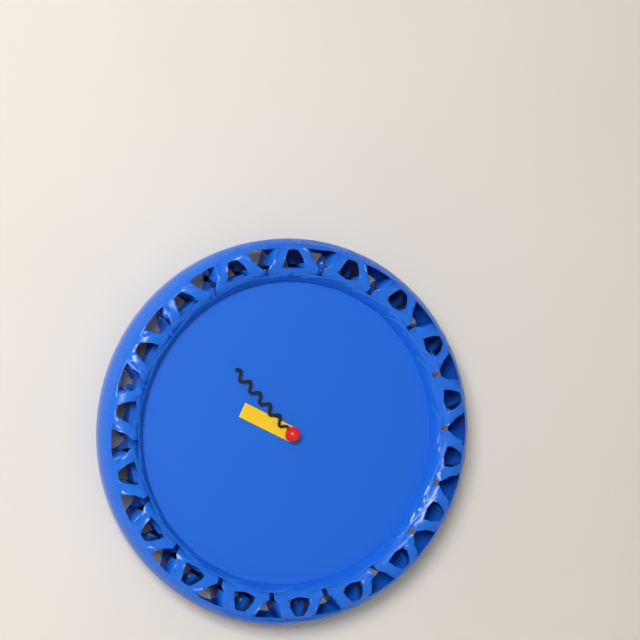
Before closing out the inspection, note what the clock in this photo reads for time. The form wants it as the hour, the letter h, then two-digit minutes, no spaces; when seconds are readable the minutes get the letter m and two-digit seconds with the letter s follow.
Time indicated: 9h53
